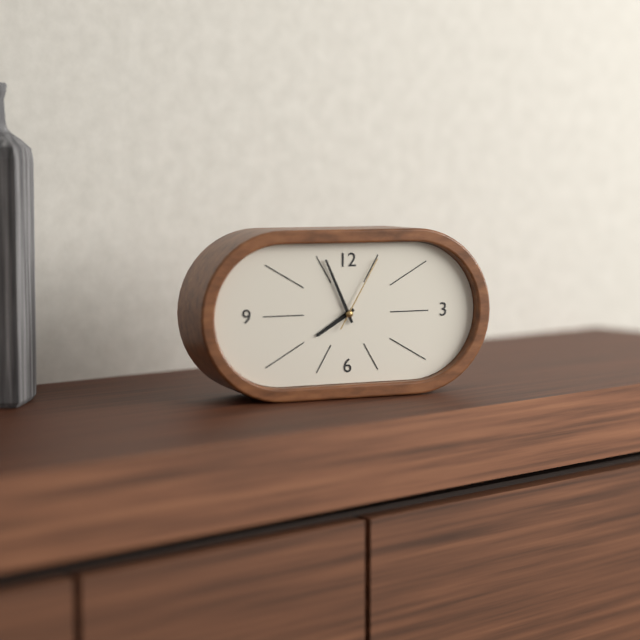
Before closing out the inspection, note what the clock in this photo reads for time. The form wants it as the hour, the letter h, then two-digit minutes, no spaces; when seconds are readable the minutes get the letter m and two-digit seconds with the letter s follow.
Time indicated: 7h56m05s
